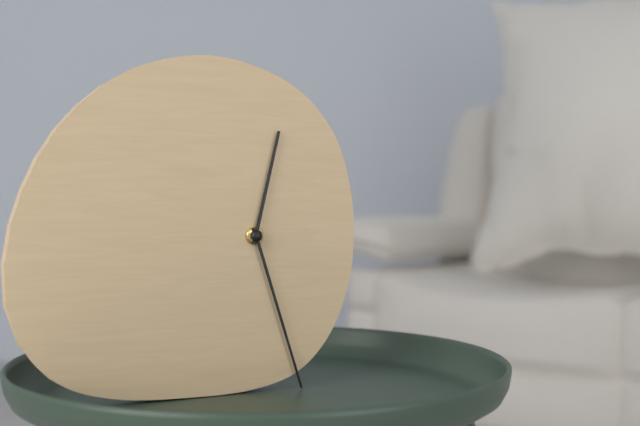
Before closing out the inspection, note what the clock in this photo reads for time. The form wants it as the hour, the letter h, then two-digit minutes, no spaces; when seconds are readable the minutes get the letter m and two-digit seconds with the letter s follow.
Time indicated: 12h27
